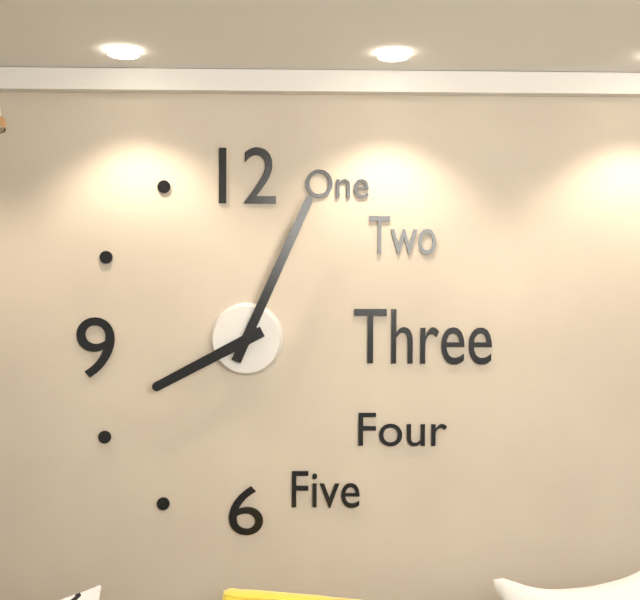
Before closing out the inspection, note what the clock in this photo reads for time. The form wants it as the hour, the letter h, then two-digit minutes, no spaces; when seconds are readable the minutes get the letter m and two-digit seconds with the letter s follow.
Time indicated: 8h04
